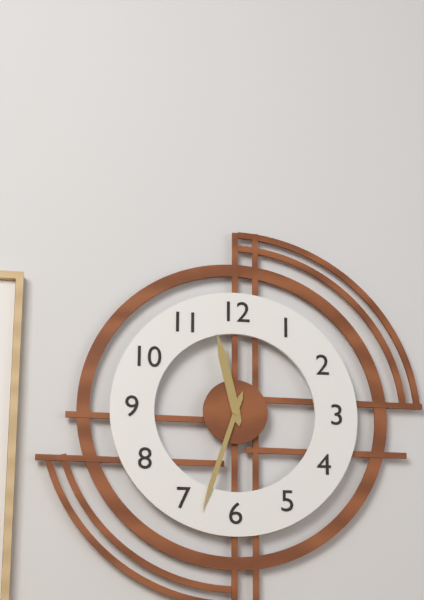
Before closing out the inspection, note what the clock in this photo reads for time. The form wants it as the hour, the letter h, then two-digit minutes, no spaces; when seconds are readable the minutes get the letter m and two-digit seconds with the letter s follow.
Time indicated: 11h33
